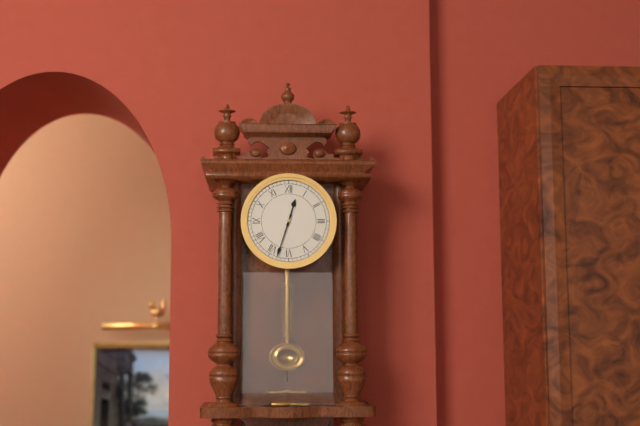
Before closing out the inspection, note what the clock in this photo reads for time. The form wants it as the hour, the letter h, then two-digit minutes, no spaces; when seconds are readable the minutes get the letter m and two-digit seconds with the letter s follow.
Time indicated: 12h33
